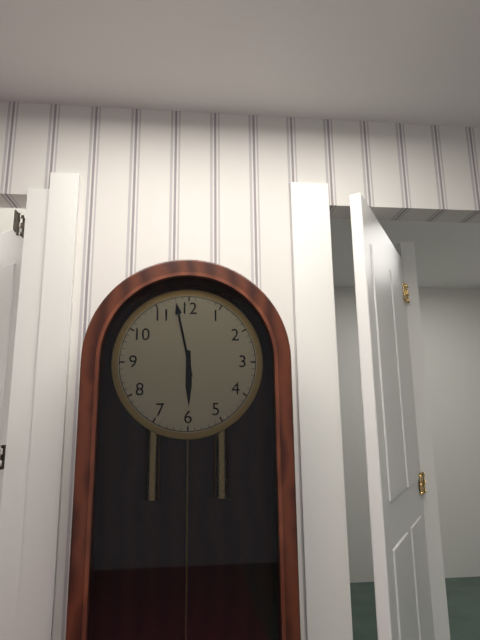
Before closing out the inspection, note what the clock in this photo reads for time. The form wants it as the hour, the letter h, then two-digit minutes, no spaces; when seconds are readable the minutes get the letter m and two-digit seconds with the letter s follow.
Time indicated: 5h58
